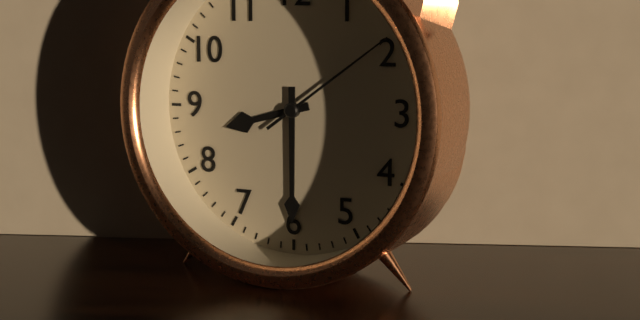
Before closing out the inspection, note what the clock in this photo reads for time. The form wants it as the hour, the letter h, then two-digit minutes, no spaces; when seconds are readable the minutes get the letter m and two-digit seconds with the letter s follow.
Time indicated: 8h30m09s
